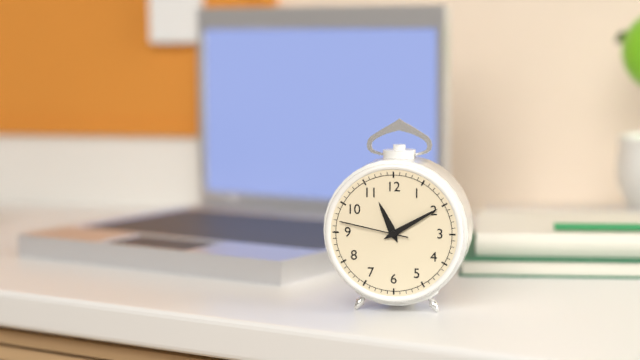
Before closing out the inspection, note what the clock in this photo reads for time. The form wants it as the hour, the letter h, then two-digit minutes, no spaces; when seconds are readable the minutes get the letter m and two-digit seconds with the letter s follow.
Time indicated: 11h10m47s
